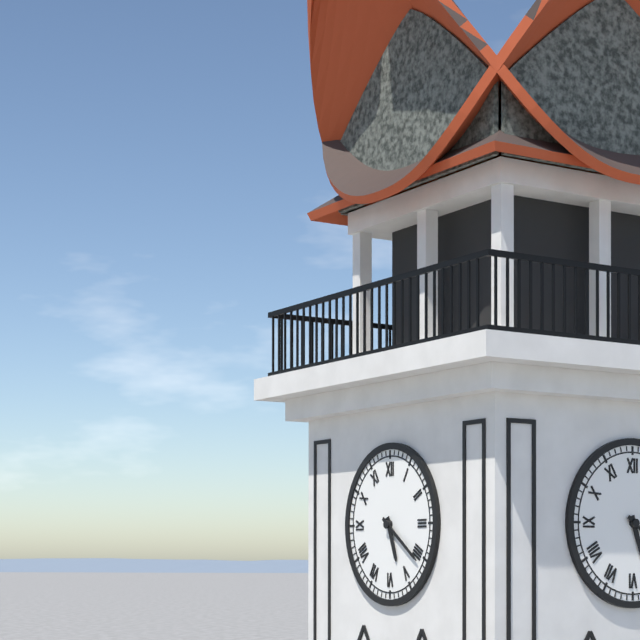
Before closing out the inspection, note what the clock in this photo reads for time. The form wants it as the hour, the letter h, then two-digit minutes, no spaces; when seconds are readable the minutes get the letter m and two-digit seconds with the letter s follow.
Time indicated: 5h21
